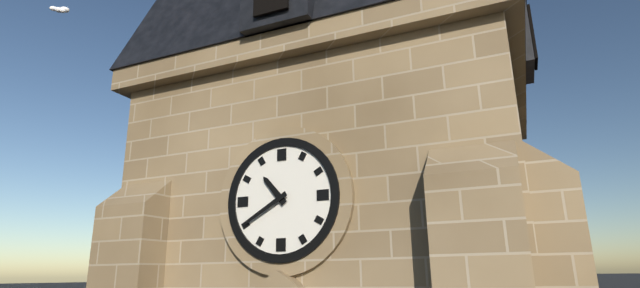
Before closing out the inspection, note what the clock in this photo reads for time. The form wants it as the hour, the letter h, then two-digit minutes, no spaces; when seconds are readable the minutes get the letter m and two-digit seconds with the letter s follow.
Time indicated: 10h40
